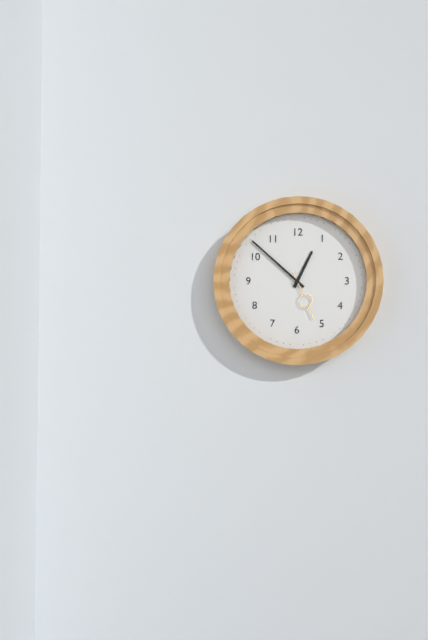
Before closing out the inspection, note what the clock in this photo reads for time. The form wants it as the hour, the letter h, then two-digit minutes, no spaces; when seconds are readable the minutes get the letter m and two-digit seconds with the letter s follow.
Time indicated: 12h52m26s
